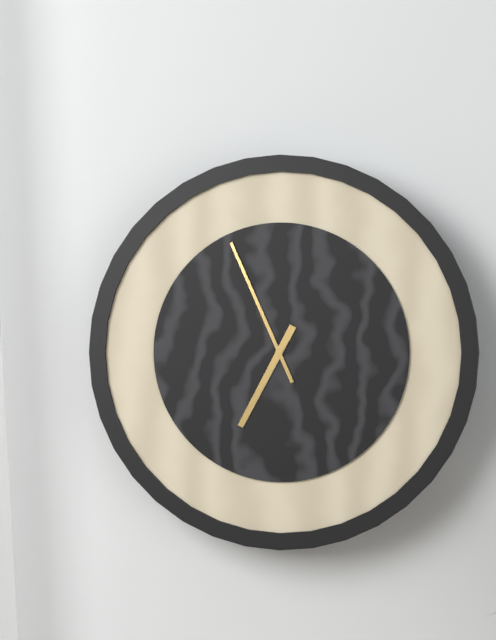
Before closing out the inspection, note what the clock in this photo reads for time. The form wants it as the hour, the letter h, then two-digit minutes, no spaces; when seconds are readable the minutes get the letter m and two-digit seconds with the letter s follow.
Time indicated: 6h56
